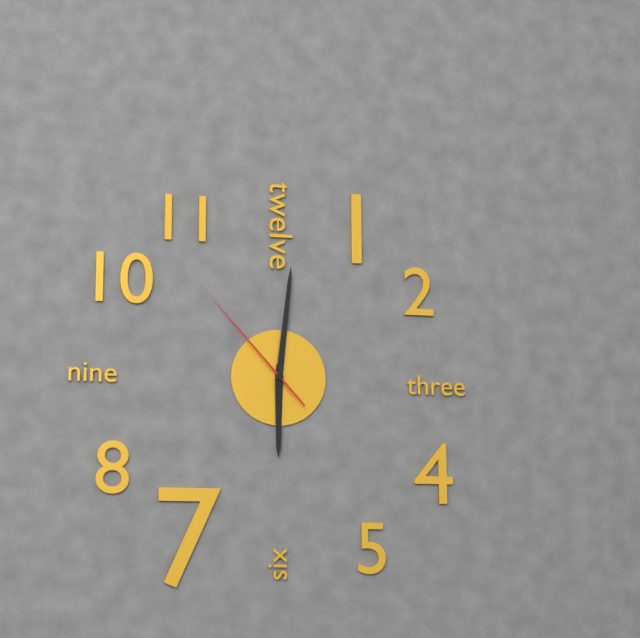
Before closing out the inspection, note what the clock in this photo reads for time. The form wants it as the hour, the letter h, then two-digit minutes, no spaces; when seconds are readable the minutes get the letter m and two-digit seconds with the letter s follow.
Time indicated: 6h01m53s
